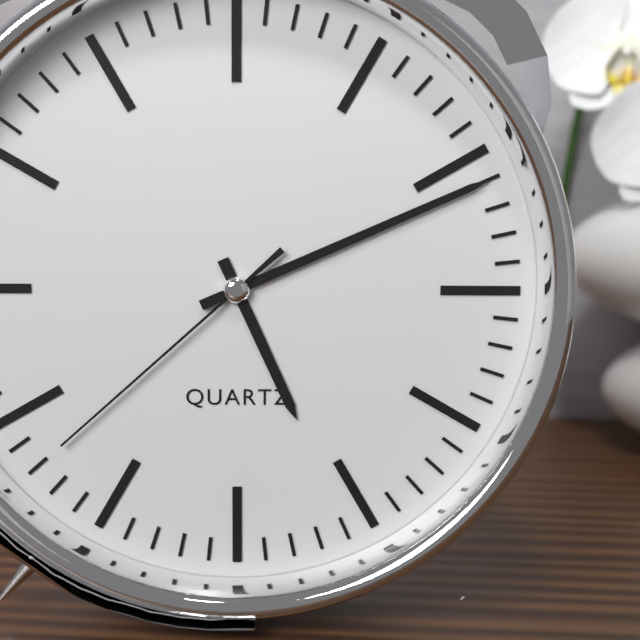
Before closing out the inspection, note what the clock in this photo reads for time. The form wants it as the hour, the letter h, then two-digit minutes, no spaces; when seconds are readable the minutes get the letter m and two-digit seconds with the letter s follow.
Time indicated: 5h11m38s
